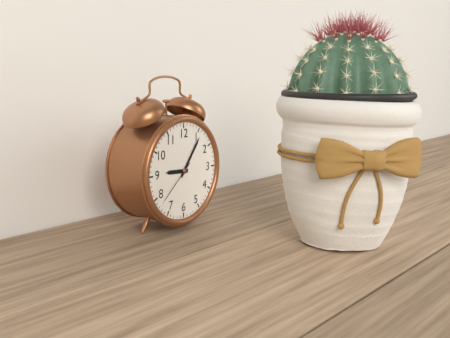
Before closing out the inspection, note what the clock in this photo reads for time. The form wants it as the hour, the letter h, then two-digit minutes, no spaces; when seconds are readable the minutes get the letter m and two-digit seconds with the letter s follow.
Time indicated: 9h06m38s
